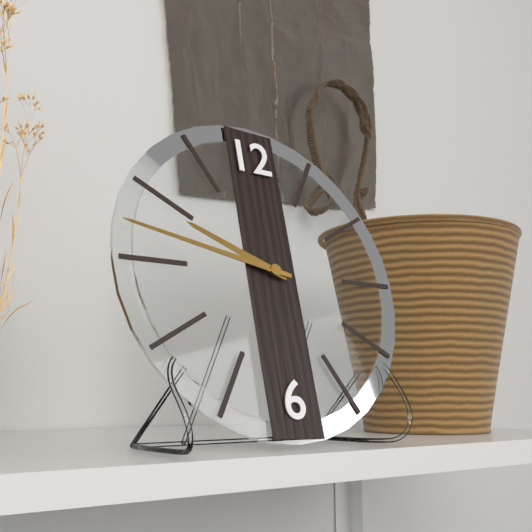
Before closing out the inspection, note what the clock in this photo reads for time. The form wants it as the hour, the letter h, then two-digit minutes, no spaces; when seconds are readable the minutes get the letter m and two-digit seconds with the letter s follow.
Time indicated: 9h47
